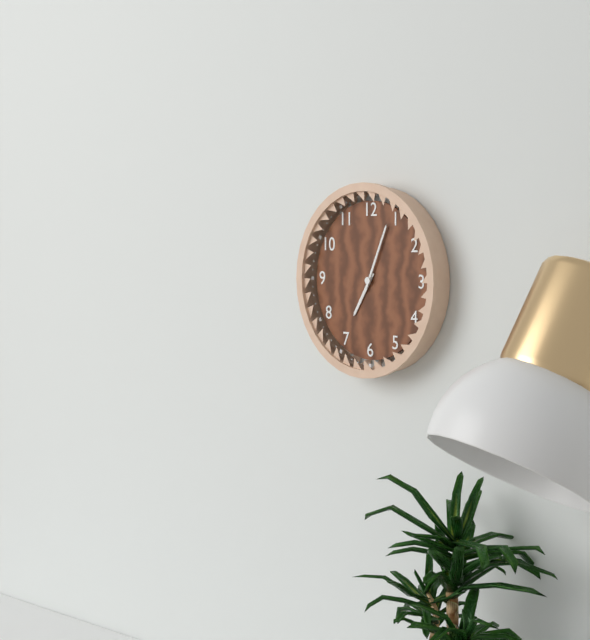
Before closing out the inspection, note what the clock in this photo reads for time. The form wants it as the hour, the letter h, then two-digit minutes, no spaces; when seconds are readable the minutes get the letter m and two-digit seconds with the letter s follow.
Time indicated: 7h04
